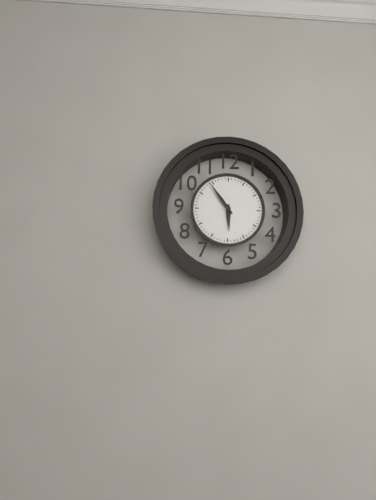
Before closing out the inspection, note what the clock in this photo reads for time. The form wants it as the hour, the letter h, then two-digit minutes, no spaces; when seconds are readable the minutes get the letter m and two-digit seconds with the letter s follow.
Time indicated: 5h54
